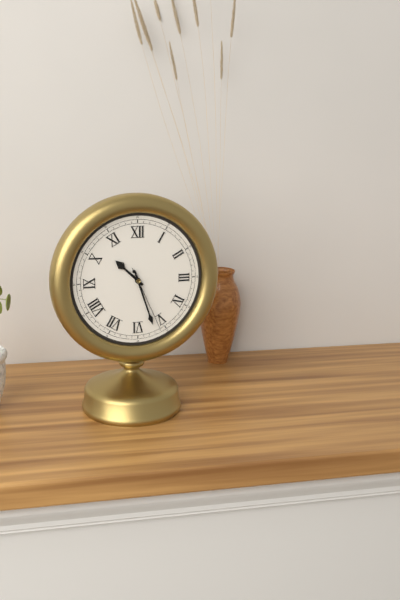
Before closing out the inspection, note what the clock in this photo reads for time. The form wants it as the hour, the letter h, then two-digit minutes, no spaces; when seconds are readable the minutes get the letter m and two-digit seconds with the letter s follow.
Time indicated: 10h27m26s
